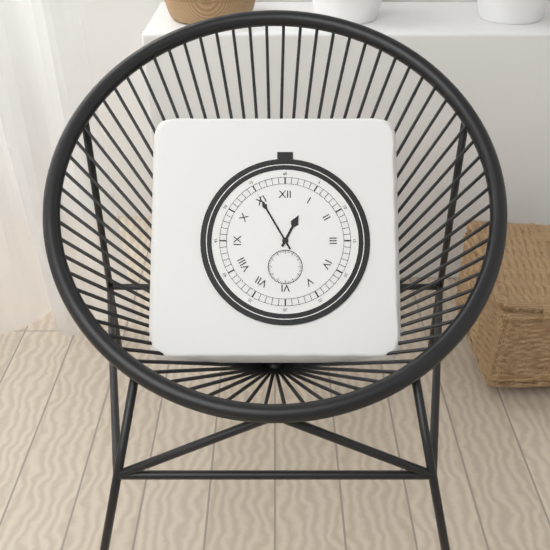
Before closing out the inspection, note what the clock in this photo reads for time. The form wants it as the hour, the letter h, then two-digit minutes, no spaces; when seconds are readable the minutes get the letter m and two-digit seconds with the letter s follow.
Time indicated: 12h55
